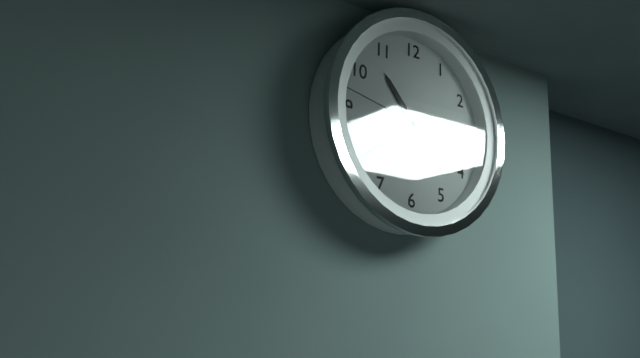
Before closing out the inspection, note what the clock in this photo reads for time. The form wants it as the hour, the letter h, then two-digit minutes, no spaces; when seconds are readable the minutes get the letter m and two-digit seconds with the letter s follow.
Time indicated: 10h39m47s
